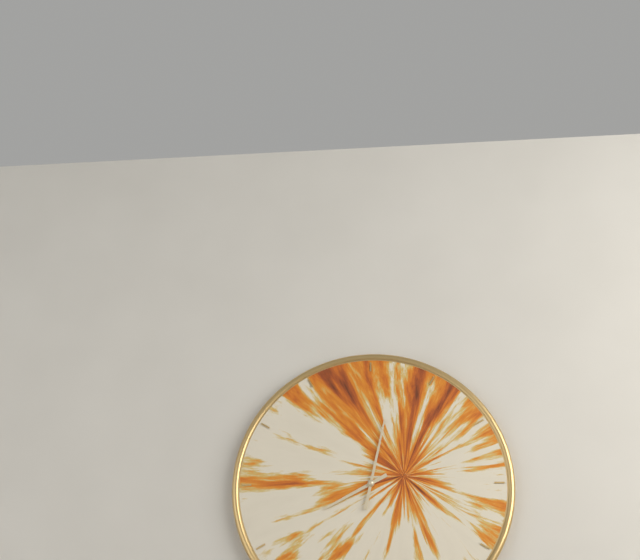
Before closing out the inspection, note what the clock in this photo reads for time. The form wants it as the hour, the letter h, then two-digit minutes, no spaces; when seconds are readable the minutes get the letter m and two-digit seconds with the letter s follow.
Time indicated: 8h02
